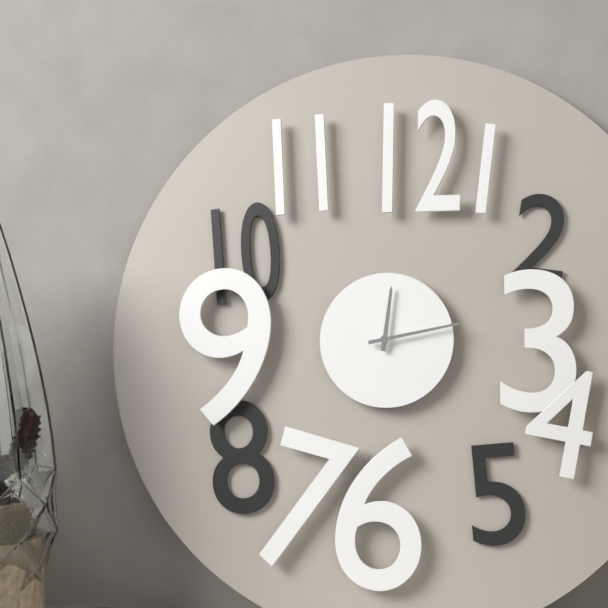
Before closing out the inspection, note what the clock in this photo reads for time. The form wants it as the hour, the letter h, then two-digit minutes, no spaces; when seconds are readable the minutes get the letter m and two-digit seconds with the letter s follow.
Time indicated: 12h13
